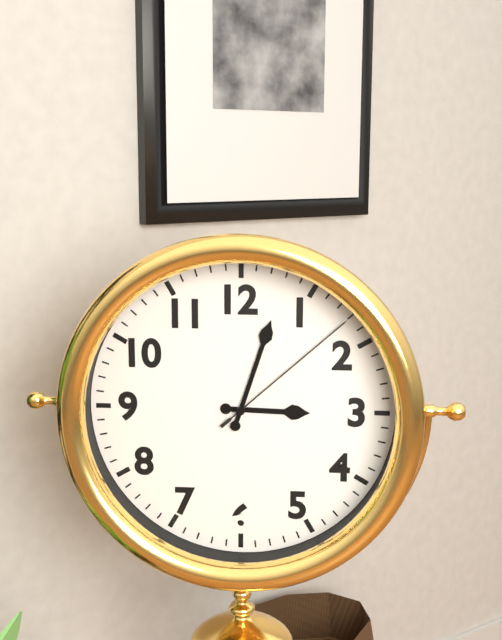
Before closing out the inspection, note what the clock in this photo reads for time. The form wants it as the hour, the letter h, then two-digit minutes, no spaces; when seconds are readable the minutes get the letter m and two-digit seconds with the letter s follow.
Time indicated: 3h03m08s
